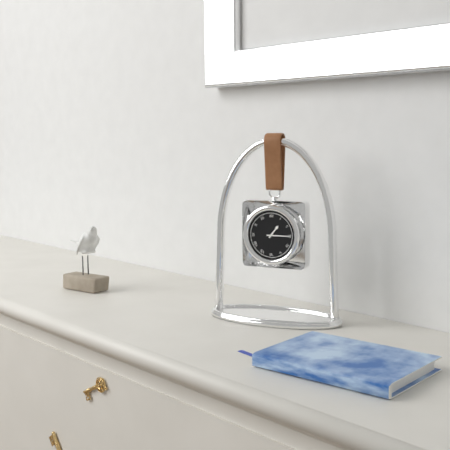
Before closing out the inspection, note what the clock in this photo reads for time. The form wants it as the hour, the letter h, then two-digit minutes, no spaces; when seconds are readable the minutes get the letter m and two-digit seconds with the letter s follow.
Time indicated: 1h15
